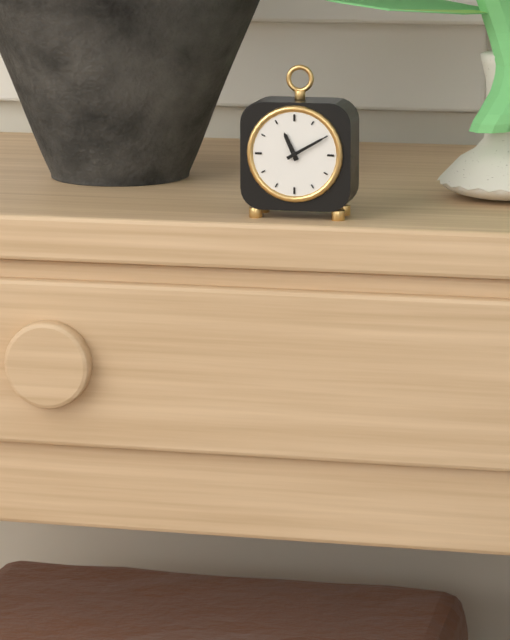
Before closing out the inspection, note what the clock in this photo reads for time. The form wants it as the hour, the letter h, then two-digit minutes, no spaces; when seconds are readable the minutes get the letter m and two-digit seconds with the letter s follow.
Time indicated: 11h10
